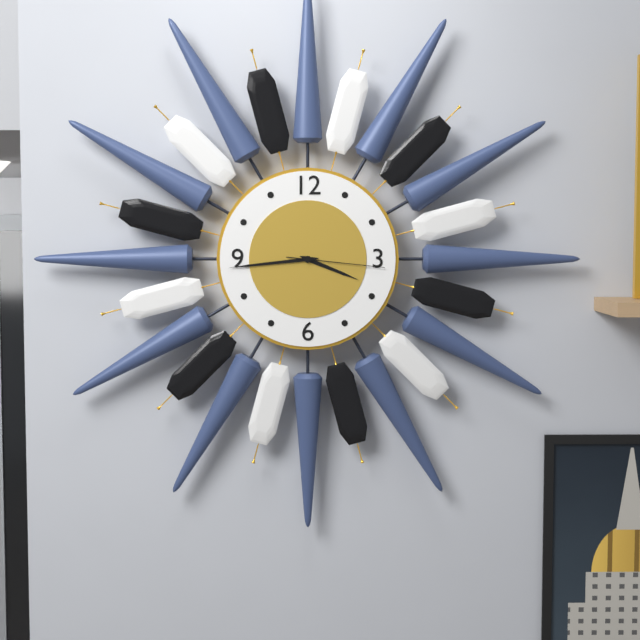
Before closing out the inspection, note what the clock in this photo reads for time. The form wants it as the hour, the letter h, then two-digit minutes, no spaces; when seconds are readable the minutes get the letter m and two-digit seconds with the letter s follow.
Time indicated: 3h44m16s
